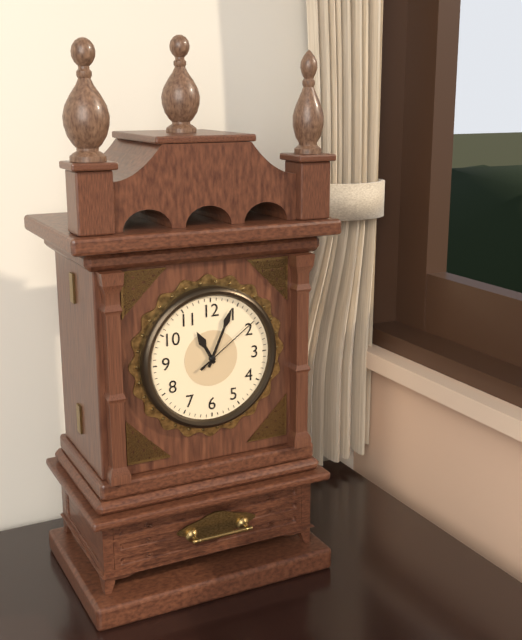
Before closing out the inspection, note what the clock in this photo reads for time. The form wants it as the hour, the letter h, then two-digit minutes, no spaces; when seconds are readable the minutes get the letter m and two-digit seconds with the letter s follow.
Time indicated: 11h04m09s
